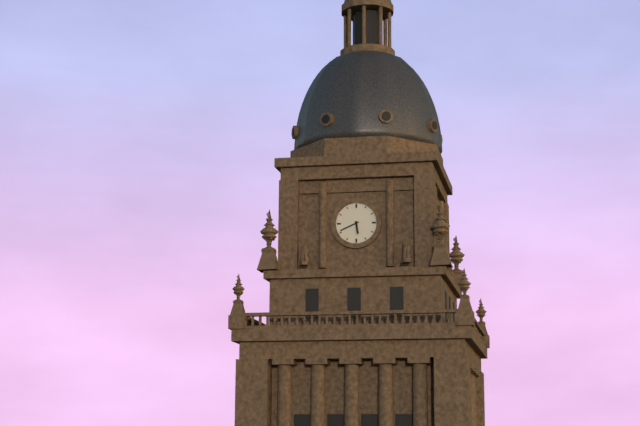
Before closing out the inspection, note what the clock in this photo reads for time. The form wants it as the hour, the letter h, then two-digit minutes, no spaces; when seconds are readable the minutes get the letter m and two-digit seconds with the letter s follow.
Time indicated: 5h41
